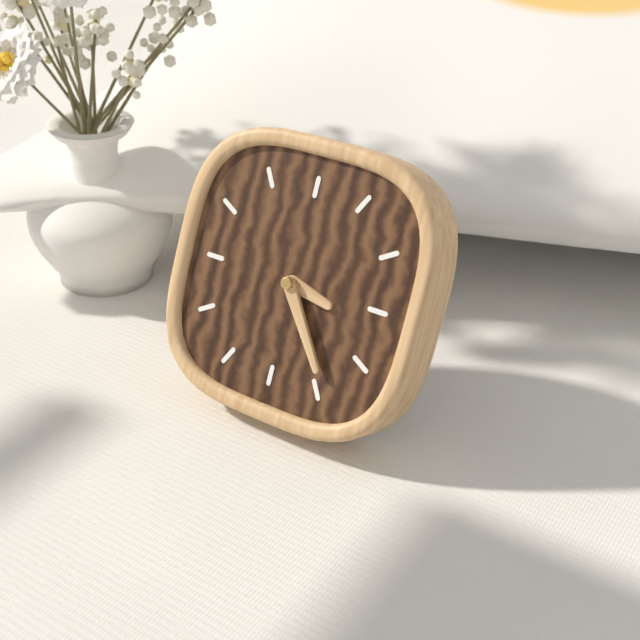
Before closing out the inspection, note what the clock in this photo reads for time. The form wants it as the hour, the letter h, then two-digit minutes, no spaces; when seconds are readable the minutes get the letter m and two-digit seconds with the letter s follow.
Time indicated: 3h24
